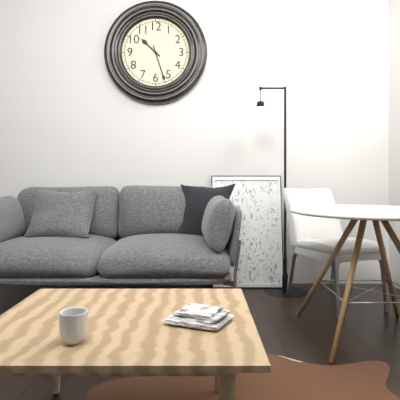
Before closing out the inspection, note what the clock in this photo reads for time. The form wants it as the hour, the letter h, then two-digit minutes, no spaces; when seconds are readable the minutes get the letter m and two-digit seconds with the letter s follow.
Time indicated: 10h27
